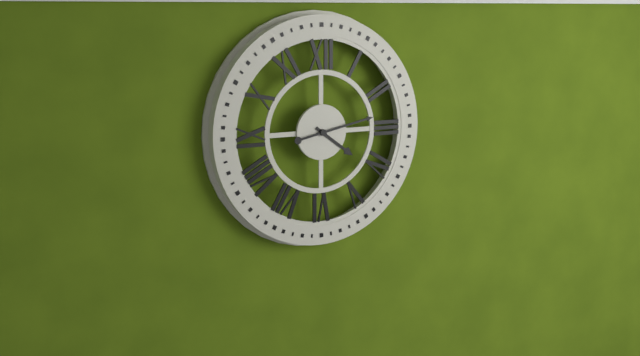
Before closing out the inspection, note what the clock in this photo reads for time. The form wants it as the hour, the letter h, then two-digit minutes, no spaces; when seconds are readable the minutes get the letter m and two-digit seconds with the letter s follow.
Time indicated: 4h13
